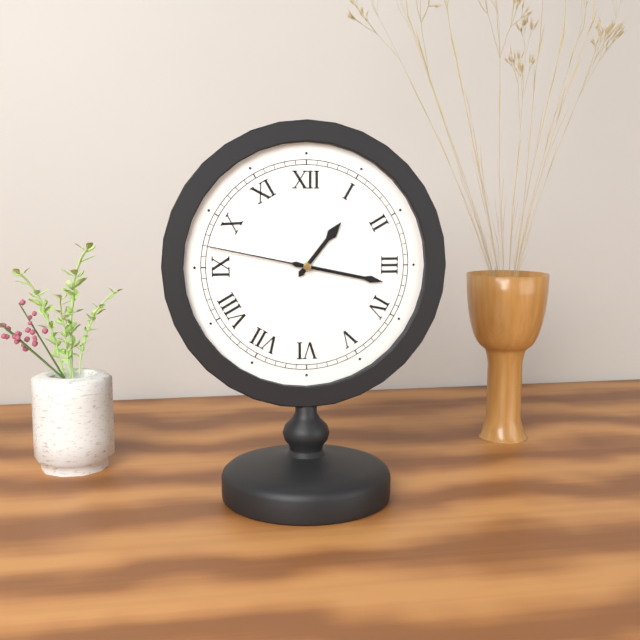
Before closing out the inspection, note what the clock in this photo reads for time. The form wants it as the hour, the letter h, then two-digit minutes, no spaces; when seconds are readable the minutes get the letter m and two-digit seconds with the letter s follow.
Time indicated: 1h17m47s
